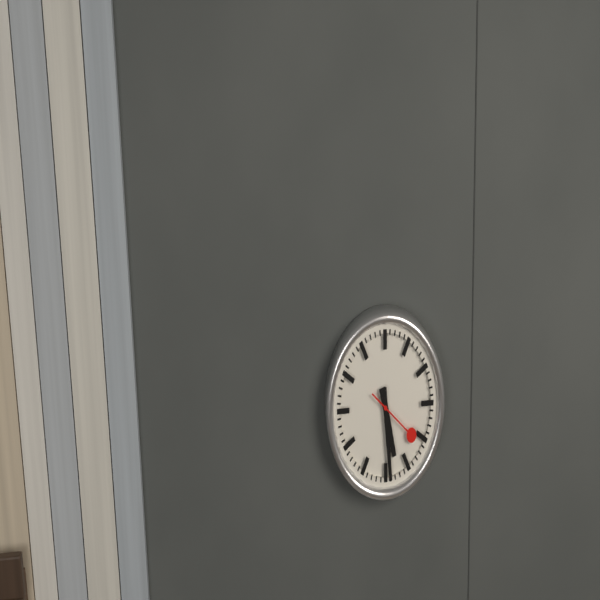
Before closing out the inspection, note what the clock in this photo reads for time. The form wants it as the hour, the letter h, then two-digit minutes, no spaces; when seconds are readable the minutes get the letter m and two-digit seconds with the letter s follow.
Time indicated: 5h29m21s
